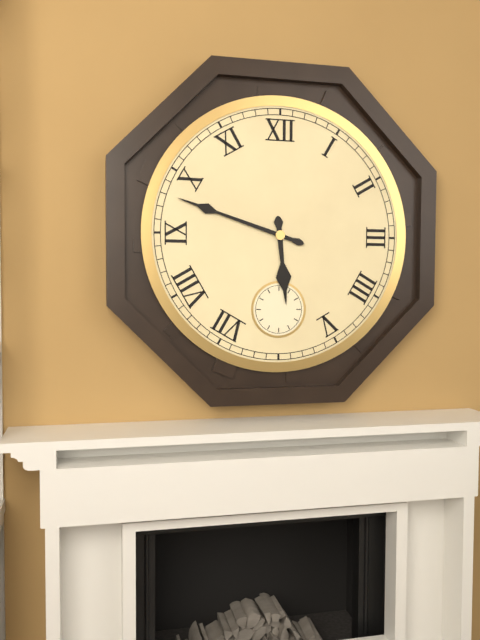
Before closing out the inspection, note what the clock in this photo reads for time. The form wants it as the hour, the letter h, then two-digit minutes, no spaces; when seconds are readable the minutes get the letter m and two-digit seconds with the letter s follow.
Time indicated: 5h48
